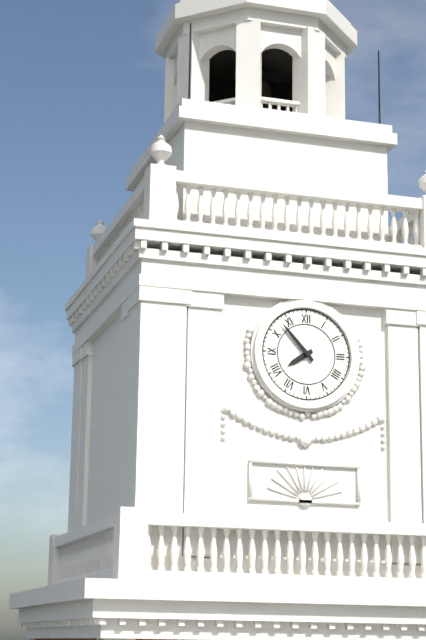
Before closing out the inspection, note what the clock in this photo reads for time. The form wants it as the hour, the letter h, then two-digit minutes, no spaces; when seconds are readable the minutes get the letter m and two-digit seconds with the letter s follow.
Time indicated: 7h53
